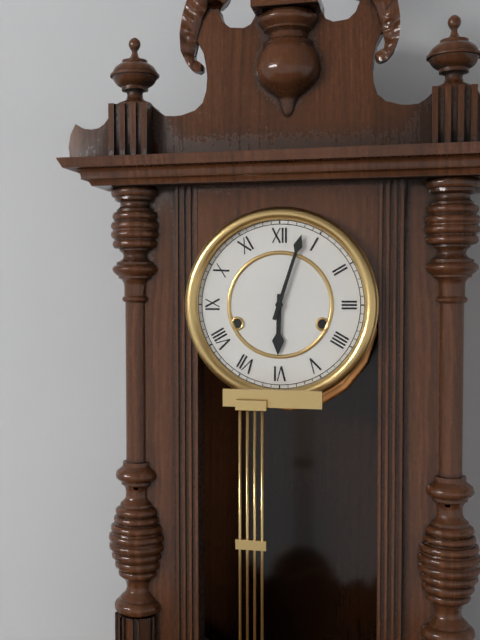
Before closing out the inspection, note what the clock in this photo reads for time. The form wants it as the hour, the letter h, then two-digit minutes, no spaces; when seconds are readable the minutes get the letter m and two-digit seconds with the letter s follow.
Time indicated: 6h03
